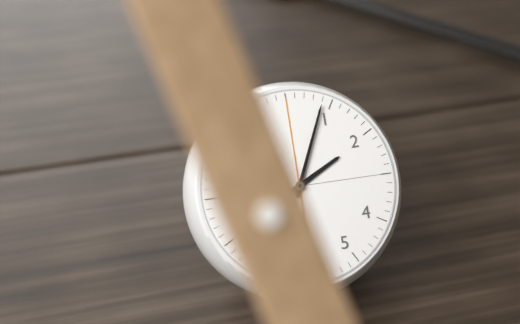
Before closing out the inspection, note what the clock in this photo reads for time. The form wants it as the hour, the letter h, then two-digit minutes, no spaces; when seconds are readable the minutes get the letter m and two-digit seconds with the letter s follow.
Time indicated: 2h04
